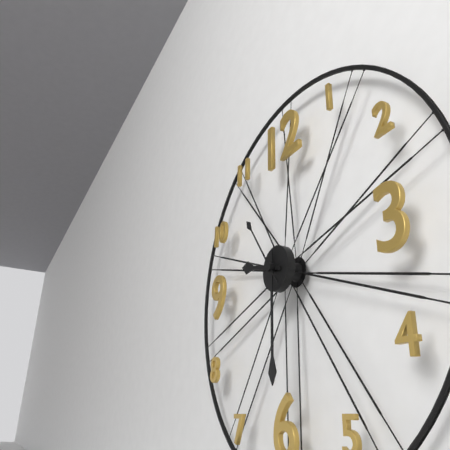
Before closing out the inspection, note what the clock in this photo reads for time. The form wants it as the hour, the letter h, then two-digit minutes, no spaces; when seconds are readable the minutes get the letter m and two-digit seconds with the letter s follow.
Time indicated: 9h30m54s
